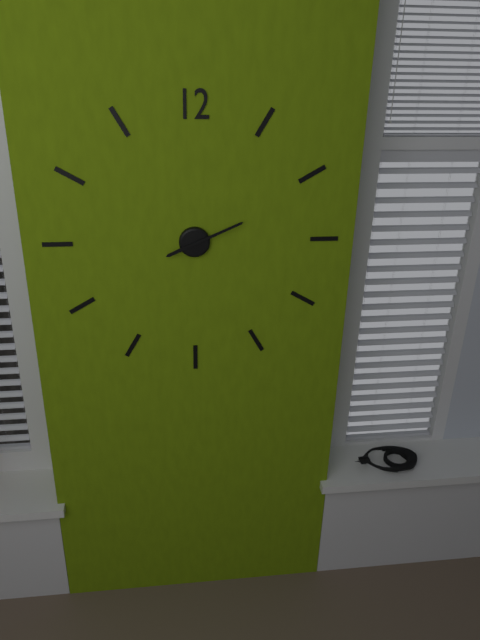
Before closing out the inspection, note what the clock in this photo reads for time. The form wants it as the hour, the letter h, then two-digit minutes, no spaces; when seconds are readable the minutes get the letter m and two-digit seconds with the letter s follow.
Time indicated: 8h11
